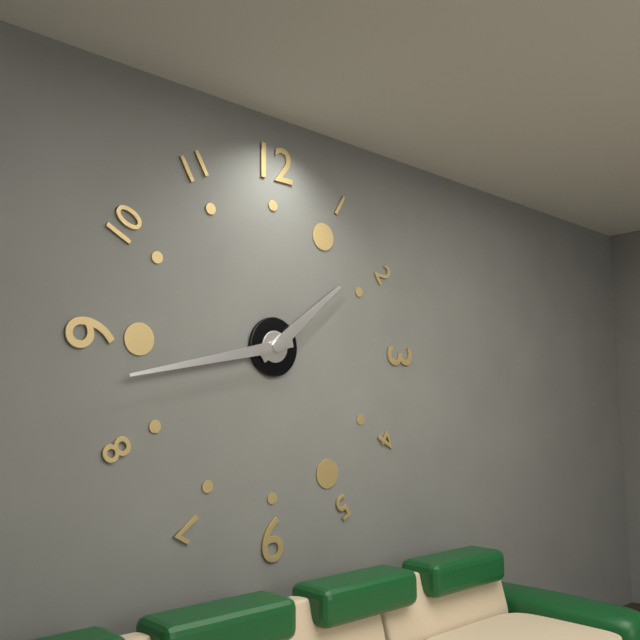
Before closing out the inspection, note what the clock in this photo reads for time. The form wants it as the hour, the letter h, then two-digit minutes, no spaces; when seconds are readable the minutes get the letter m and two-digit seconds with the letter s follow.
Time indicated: 1h43
